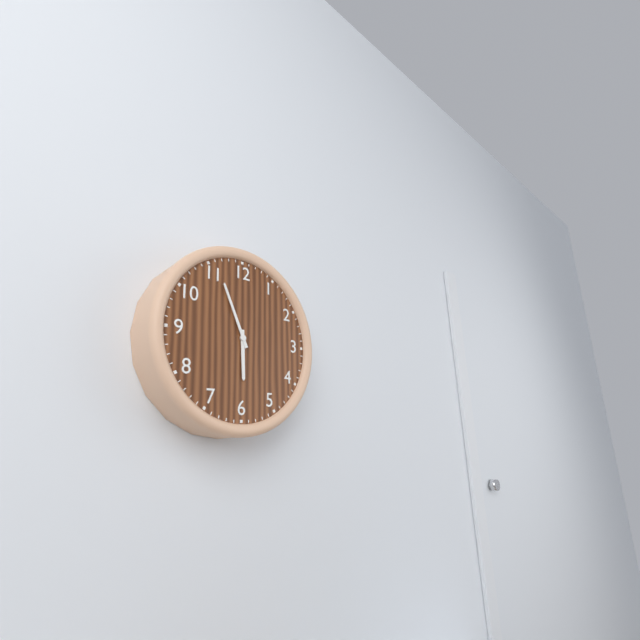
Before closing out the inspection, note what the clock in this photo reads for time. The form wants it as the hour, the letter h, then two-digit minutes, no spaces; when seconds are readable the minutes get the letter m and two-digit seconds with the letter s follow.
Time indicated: 5h56
